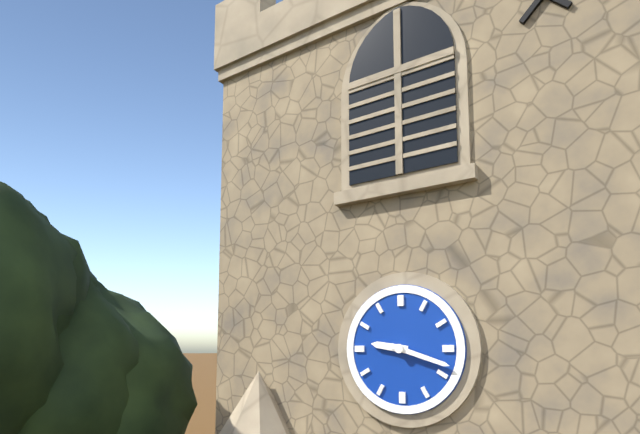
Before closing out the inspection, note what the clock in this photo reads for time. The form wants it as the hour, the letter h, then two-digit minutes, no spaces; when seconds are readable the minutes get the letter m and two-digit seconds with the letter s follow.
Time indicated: 9h18
